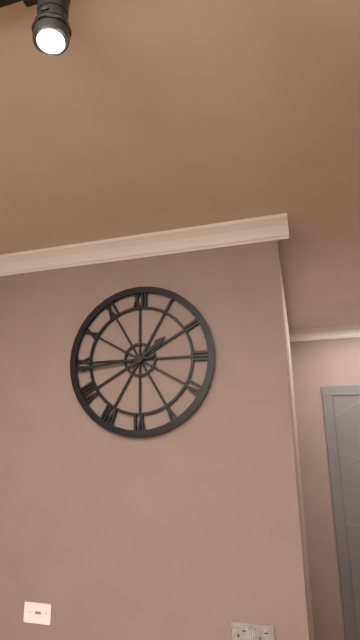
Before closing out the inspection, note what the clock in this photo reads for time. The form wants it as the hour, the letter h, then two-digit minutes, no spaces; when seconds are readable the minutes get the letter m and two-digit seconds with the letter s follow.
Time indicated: 1h44
